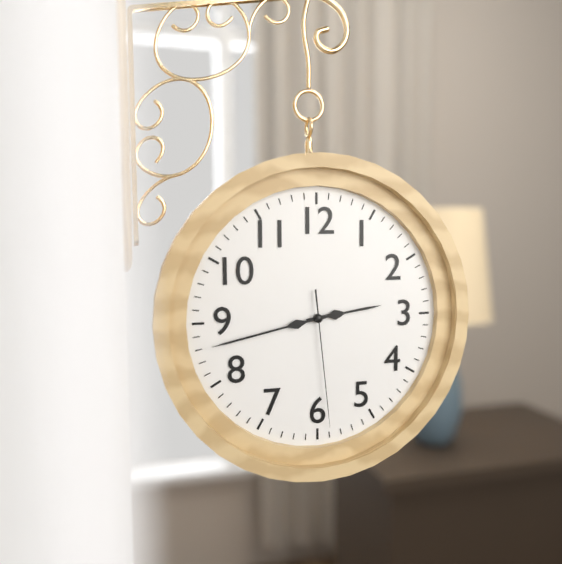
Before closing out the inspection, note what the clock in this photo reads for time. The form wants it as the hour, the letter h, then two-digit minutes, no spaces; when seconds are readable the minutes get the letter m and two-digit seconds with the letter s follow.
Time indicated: 2h43m29s
